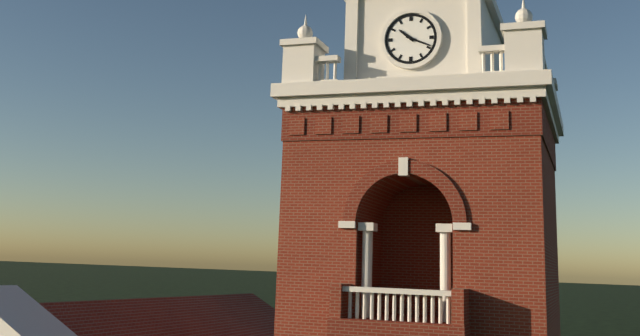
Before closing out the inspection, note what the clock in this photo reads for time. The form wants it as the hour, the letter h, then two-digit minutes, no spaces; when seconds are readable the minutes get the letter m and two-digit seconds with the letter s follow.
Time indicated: 10h19
